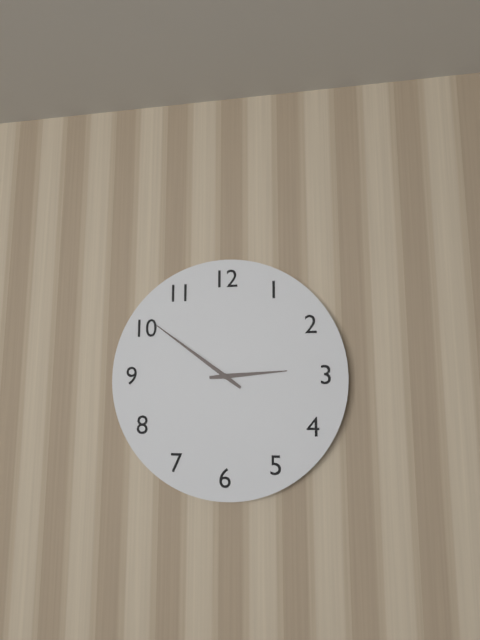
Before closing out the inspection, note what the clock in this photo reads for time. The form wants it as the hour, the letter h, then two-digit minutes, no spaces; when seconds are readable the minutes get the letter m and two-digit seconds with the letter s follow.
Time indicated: 2h51
